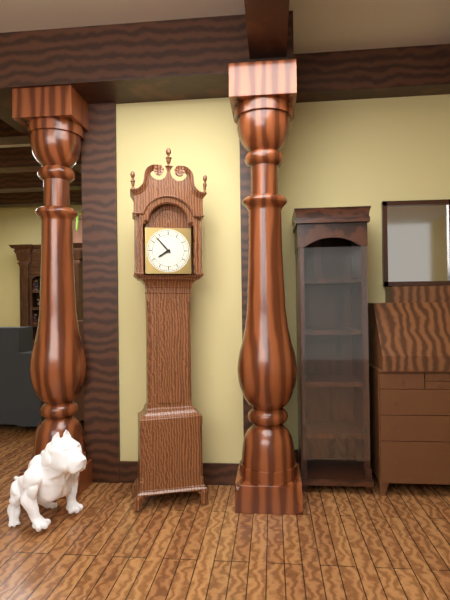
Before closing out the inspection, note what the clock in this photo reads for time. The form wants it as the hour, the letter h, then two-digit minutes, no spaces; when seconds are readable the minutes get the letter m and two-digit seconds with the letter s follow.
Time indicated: 7h53
